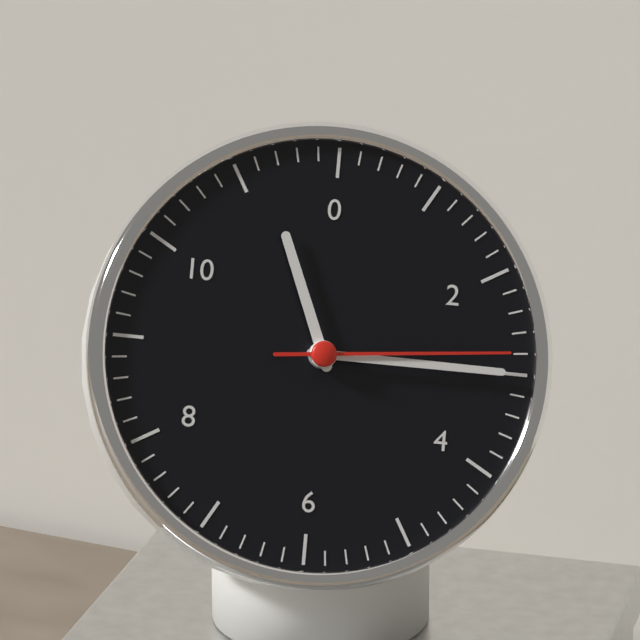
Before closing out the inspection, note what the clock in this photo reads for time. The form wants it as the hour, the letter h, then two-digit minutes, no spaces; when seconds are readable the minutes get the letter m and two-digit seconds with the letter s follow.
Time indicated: 11h15m14s
